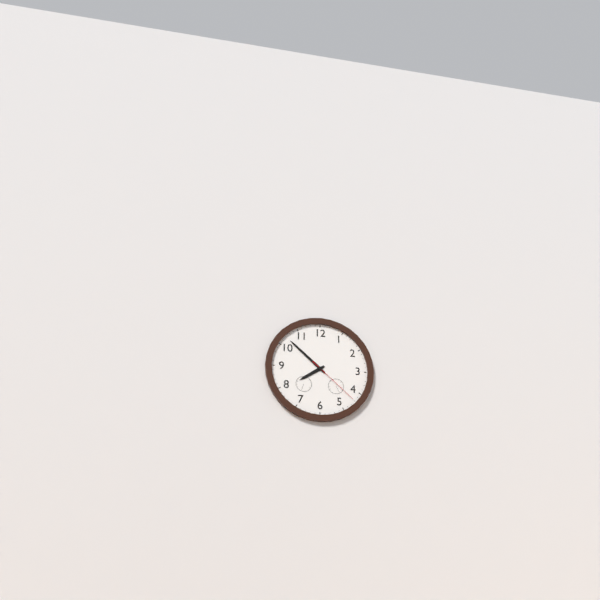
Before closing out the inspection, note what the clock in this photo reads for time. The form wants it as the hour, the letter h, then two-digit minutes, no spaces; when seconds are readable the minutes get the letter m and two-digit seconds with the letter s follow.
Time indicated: 7h52m22s
